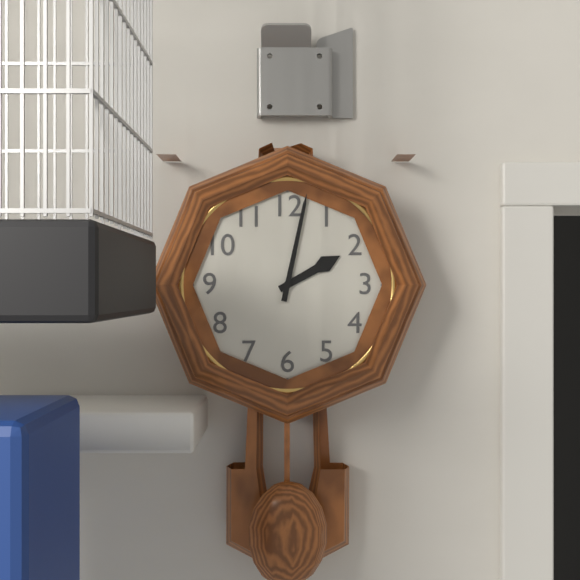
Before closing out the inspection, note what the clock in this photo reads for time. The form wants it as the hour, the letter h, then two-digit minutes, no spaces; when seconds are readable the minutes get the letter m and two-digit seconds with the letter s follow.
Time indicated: 2h02
